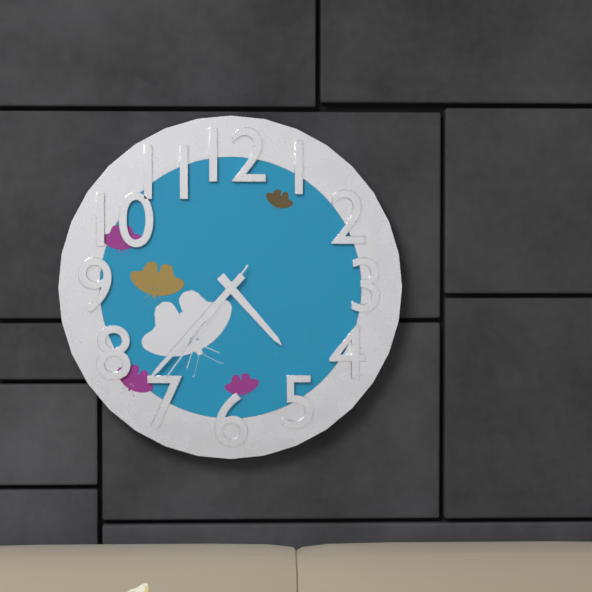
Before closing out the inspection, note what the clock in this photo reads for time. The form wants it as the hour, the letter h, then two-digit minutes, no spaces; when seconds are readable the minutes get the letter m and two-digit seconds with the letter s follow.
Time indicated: 4h37m36s
